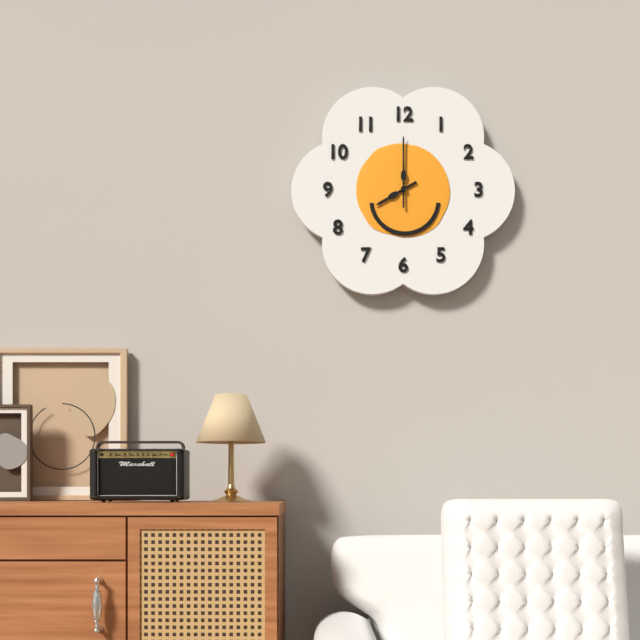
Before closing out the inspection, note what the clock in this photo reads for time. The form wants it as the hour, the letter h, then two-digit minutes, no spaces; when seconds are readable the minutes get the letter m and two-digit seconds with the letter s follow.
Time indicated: 8h00
